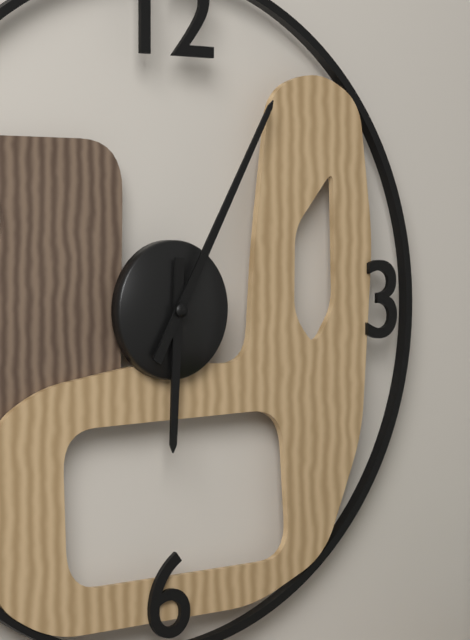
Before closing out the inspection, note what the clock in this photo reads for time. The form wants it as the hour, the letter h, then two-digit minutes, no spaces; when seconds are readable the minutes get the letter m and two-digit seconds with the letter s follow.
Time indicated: 6h05
